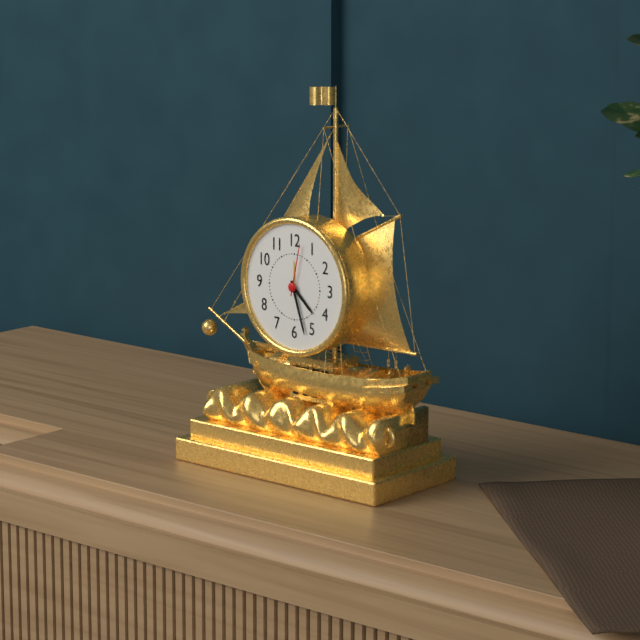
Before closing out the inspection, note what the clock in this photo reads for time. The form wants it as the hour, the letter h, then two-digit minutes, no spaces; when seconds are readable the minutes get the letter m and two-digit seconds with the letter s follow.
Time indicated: 4h27m02s
